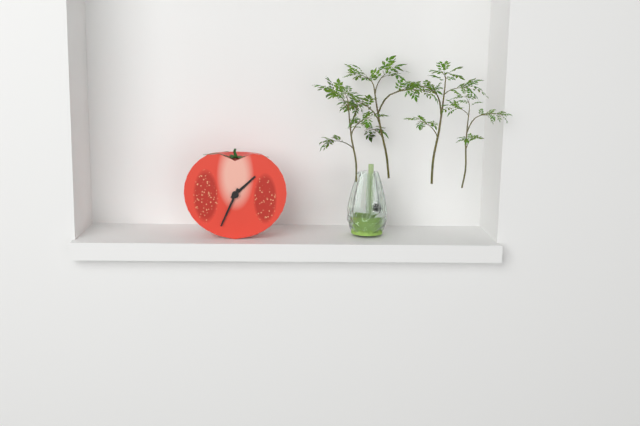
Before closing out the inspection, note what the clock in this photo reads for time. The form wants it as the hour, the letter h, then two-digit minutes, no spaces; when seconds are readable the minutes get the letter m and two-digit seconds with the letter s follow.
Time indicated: 1h34
